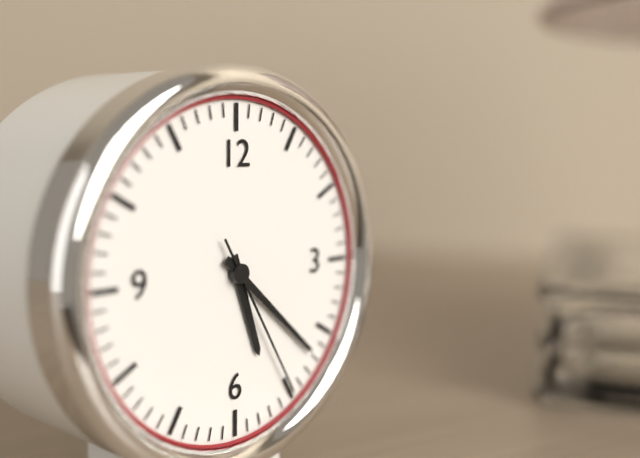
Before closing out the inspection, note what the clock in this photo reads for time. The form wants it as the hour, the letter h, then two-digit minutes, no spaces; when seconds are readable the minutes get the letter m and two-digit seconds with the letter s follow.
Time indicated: 5h22m25s
